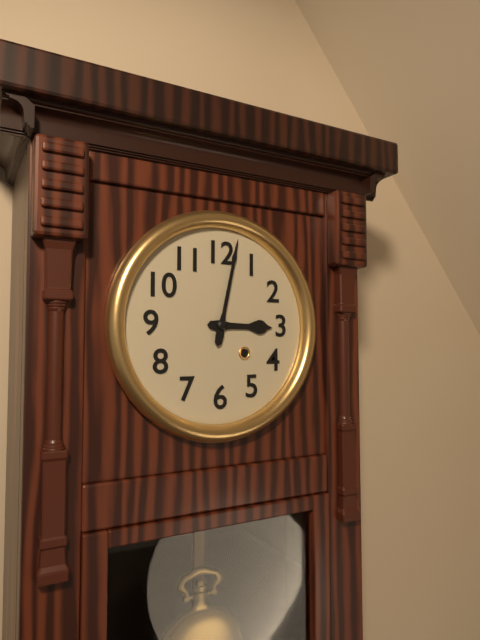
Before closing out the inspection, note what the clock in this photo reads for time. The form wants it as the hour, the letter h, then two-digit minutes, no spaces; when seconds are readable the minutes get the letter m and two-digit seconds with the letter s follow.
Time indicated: 3h02
